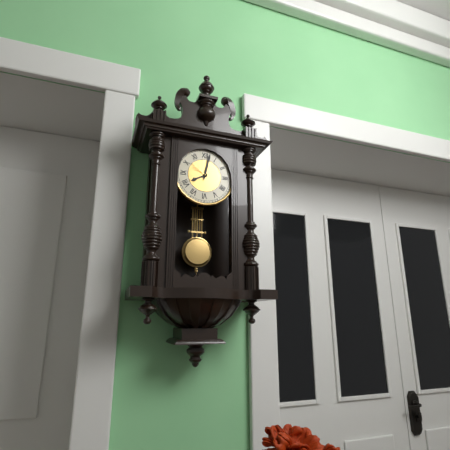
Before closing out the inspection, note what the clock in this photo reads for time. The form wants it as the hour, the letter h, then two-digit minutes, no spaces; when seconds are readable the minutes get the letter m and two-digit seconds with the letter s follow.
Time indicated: 8h02
